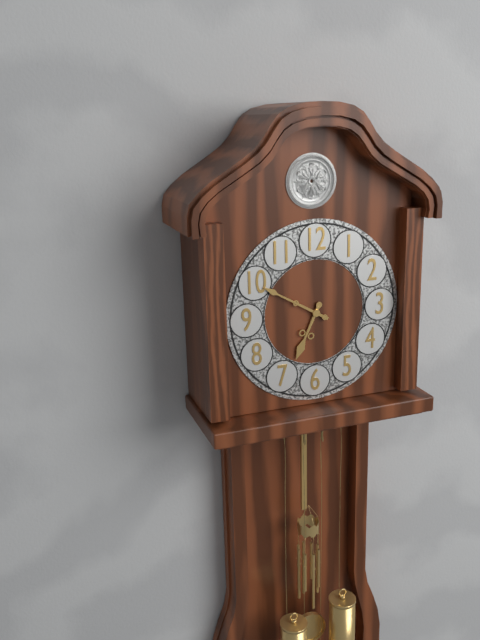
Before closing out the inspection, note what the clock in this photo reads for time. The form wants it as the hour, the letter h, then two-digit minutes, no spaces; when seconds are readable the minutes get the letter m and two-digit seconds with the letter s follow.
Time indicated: 6h50
